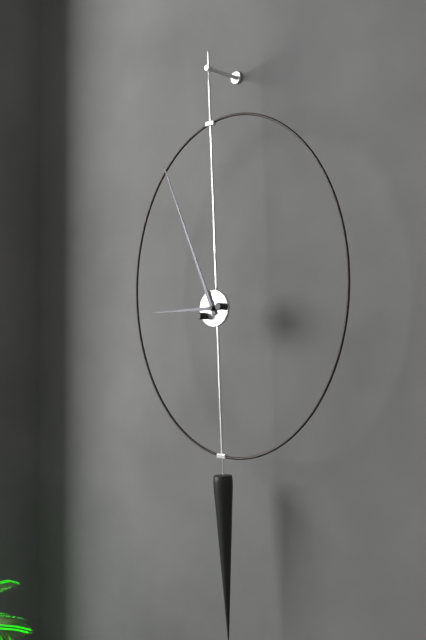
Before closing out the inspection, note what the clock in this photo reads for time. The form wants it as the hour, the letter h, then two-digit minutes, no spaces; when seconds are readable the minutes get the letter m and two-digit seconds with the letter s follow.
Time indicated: 8h56
